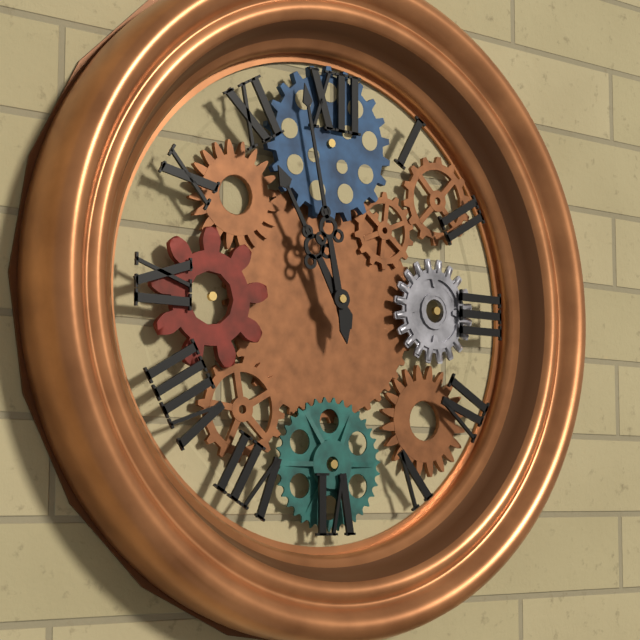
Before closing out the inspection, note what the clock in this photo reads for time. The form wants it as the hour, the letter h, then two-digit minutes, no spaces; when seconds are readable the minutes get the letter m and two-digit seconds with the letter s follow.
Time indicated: 10h58
